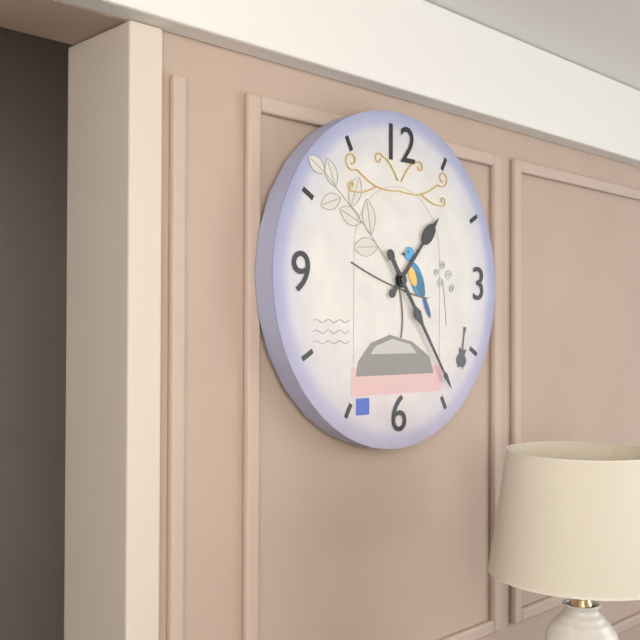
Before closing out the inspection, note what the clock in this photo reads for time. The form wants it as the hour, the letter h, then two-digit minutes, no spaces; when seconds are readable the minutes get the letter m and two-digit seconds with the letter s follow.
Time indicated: 1h24
